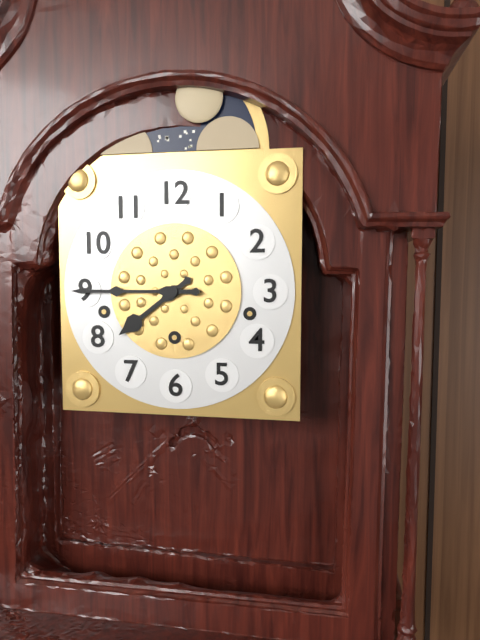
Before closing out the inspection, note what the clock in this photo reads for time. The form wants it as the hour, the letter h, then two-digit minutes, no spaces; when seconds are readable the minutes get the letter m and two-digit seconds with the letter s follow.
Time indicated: 7h45
